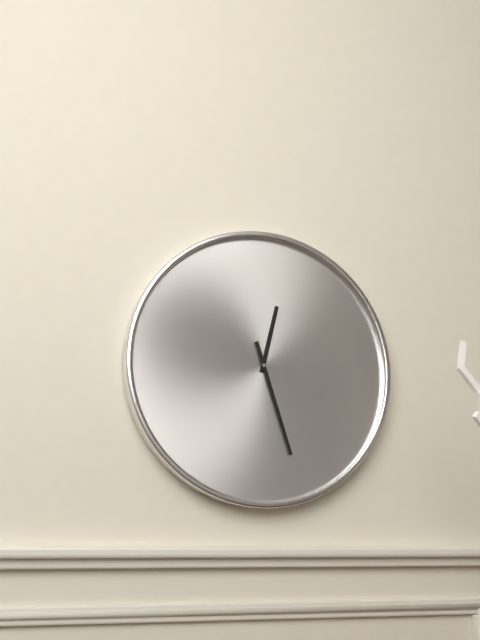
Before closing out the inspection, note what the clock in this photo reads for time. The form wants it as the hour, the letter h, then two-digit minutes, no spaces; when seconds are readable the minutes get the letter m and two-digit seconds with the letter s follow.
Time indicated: 12h27
